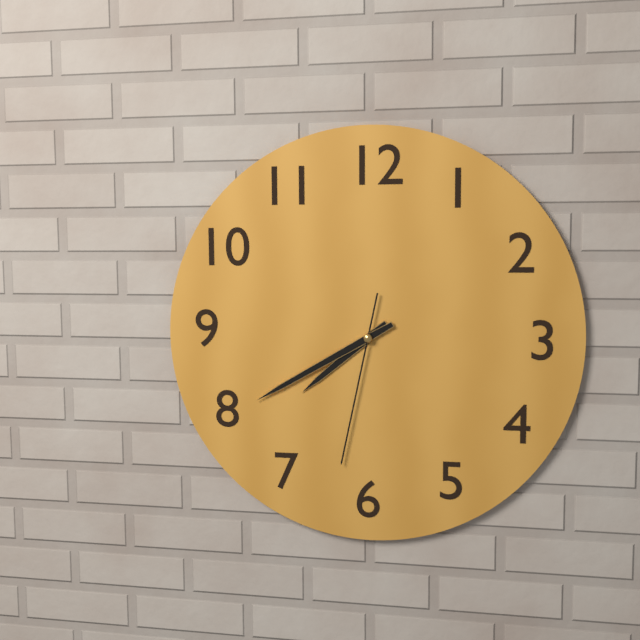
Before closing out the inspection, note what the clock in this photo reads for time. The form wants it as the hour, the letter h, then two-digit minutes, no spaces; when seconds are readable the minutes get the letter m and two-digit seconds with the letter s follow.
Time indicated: 7h40m32s
